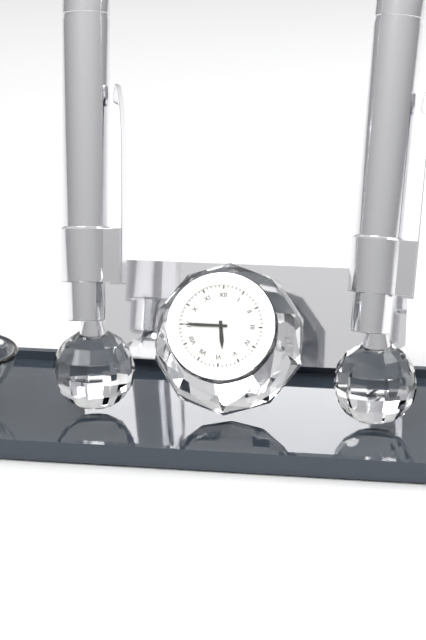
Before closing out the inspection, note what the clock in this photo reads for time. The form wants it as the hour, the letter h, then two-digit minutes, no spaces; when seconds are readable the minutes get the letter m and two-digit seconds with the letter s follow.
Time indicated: 5h45
